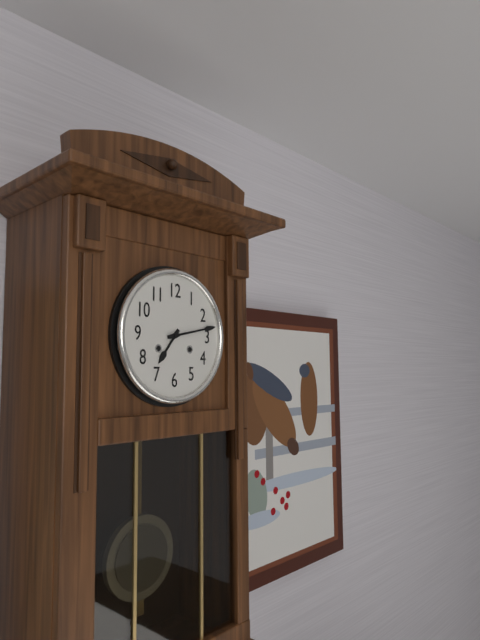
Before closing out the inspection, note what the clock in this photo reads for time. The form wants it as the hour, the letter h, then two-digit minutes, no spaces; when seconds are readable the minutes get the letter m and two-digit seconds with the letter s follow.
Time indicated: 7h13
